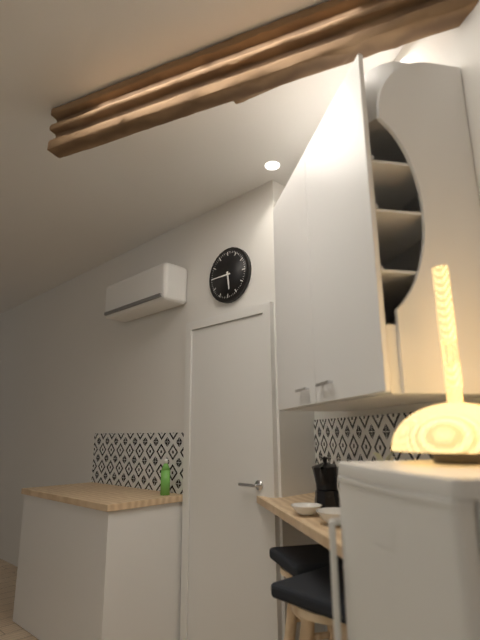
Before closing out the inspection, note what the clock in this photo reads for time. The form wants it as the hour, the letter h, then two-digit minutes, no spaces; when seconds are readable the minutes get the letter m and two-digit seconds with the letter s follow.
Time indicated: 5h45
